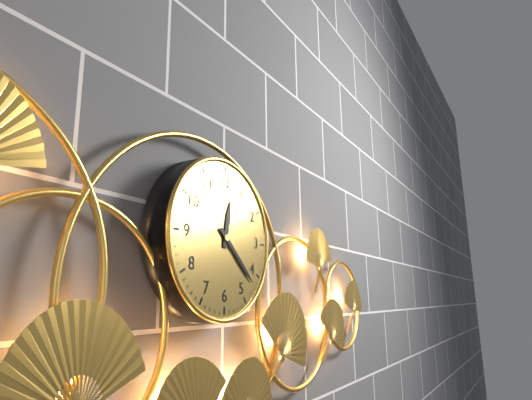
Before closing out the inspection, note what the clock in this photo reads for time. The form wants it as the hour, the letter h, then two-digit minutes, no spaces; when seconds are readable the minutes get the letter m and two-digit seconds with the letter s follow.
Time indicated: 12h22
